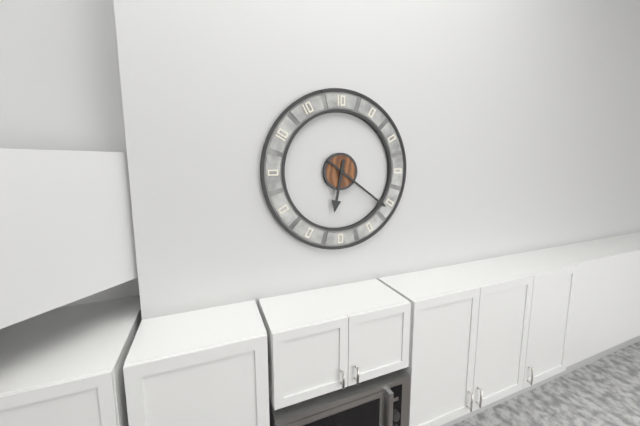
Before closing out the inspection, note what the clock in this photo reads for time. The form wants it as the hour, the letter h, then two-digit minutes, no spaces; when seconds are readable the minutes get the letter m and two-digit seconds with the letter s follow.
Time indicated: 6h21
